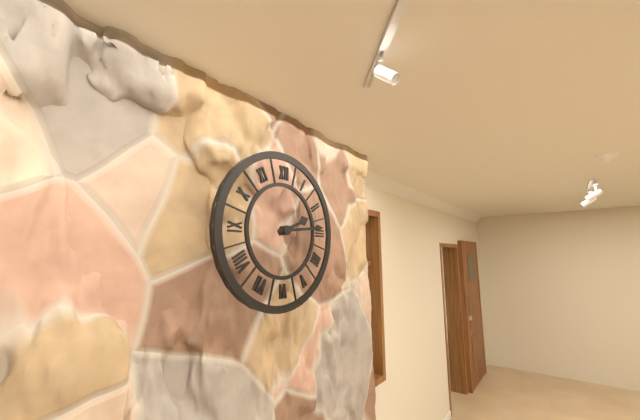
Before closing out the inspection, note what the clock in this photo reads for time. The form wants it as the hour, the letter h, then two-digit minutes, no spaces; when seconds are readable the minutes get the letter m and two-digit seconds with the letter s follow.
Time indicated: 2h14
